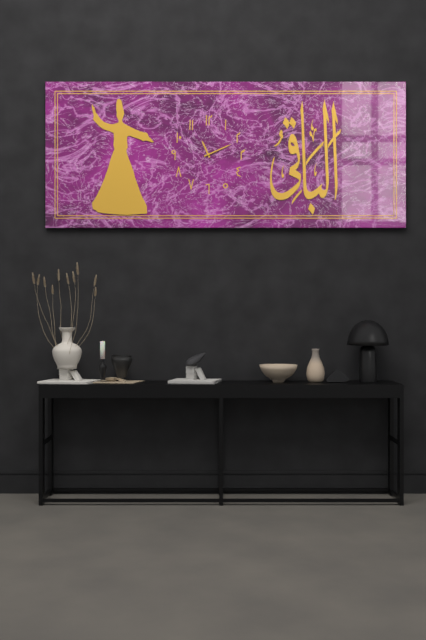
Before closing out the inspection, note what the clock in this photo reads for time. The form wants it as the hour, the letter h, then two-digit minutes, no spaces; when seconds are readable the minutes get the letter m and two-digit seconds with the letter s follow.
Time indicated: 11h11
